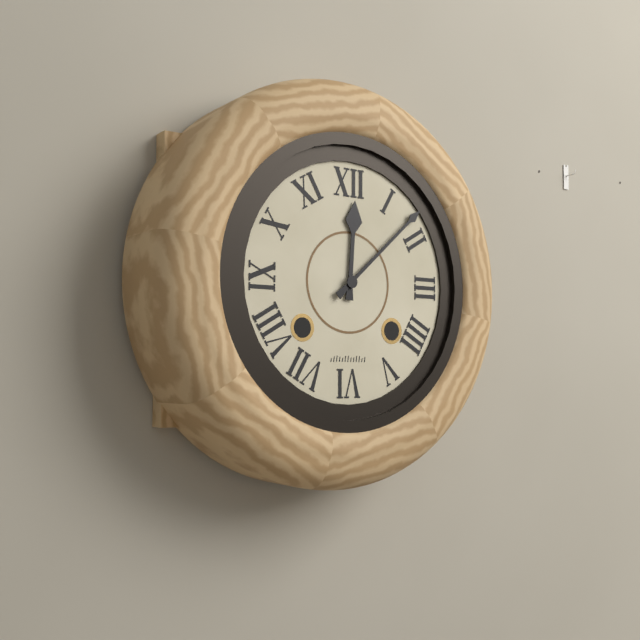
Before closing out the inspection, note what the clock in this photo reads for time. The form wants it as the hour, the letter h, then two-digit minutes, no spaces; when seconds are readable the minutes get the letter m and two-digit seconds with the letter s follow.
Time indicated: 12h08
